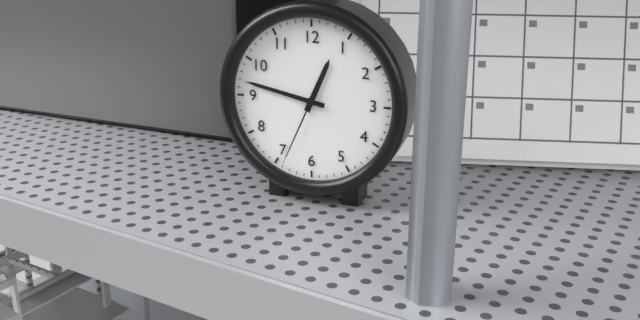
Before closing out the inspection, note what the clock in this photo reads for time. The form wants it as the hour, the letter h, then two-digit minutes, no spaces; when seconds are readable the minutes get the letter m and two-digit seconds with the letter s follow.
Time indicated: 12h47m34s
